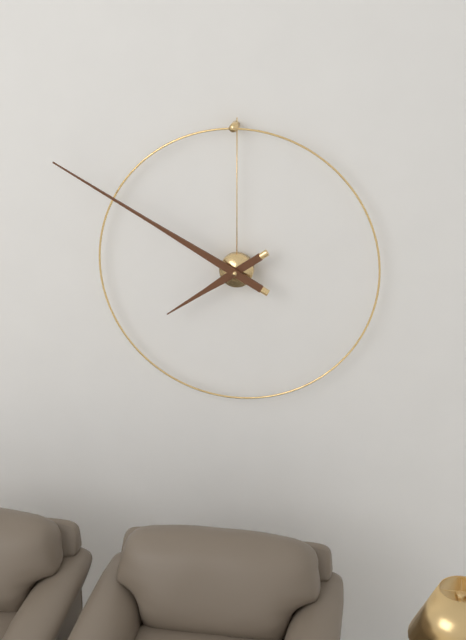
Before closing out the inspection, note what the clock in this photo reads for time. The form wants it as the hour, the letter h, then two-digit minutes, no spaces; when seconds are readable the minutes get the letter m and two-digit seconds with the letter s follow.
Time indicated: 7h50
